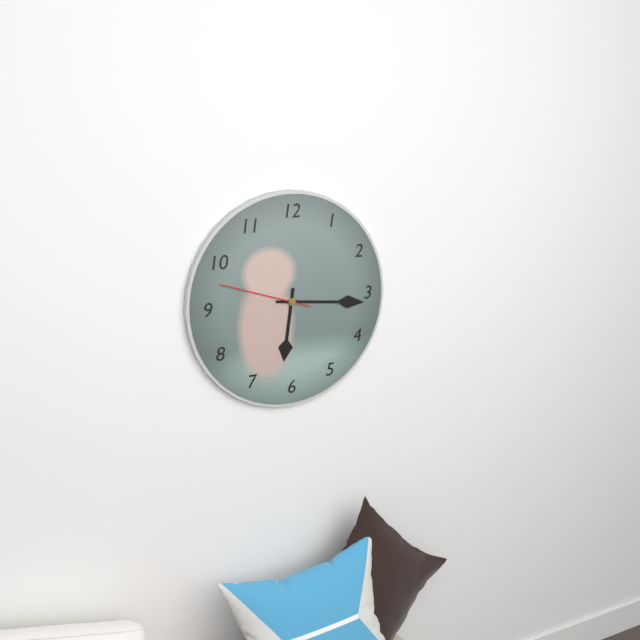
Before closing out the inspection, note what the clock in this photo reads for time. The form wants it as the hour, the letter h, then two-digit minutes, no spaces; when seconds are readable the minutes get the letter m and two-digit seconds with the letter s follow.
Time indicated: 6h16m48s
